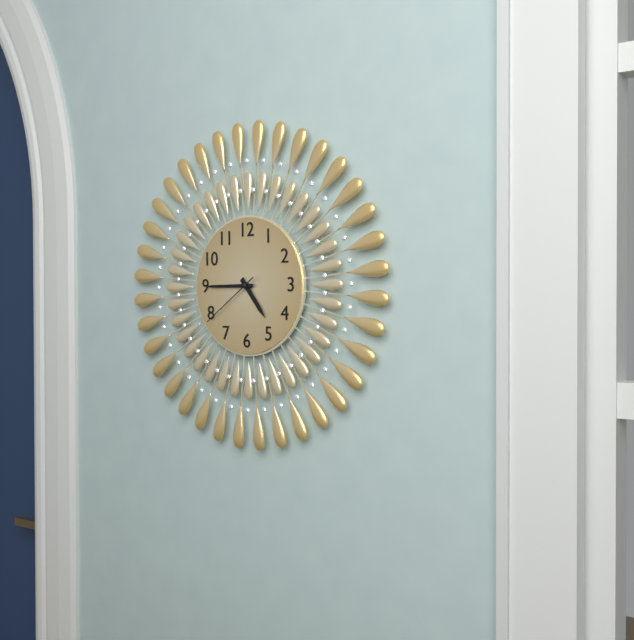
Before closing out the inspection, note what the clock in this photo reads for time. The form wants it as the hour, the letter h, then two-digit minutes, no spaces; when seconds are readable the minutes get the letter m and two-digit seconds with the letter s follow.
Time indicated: 4h45m39s
